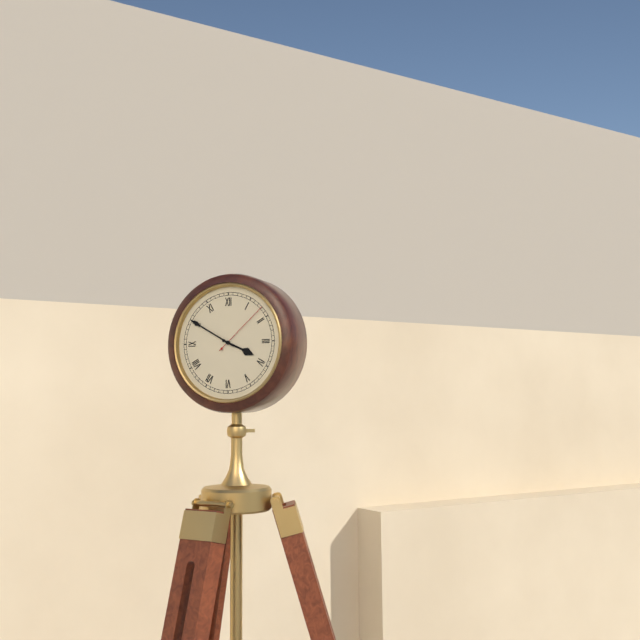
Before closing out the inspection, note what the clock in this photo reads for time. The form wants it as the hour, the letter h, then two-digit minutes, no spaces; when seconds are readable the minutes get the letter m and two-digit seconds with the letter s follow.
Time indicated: 3h50m08s
